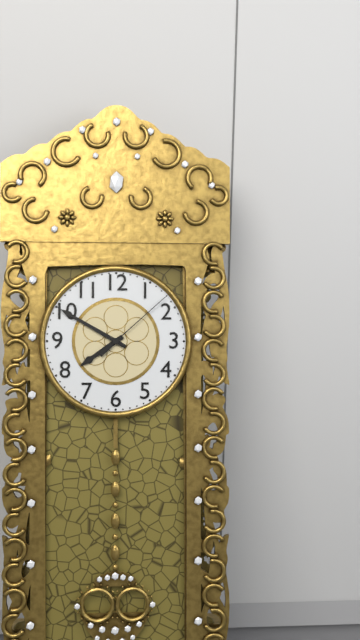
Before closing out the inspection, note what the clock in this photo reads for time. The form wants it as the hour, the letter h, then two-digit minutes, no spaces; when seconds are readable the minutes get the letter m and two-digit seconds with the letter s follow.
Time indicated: 7h50m08s
